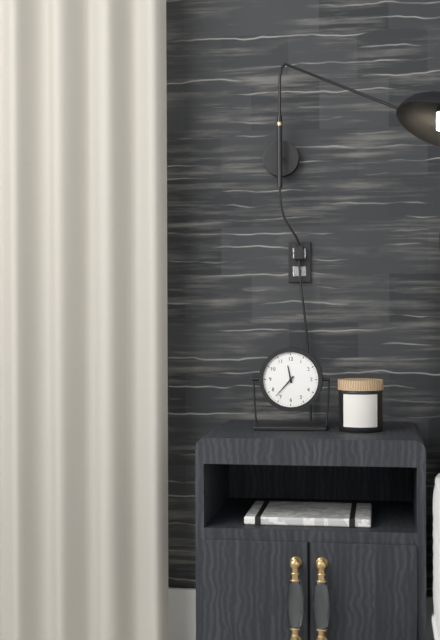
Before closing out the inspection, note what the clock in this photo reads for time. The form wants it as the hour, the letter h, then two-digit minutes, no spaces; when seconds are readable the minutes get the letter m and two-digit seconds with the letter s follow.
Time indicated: 11h37
